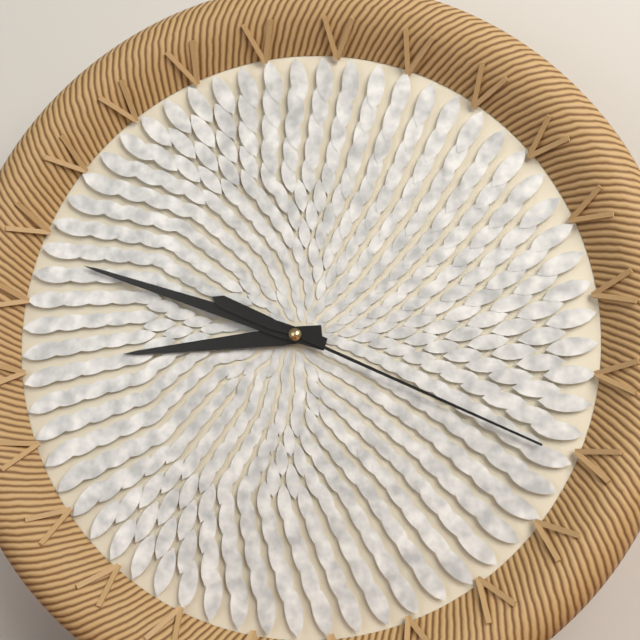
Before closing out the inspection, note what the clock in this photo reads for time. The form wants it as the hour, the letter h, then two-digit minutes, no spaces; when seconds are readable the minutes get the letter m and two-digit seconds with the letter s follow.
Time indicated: 8h48m19s
